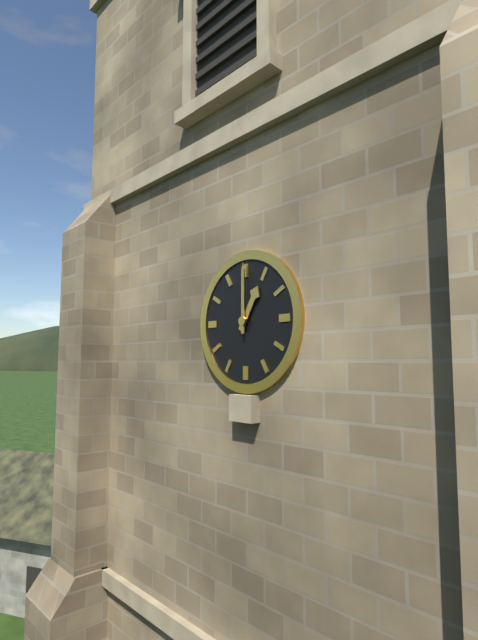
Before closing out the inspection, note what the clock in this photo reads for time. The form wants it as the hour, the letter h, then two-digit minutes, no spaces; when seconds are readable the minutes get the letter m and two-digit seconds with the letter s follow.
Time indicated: 1h00
